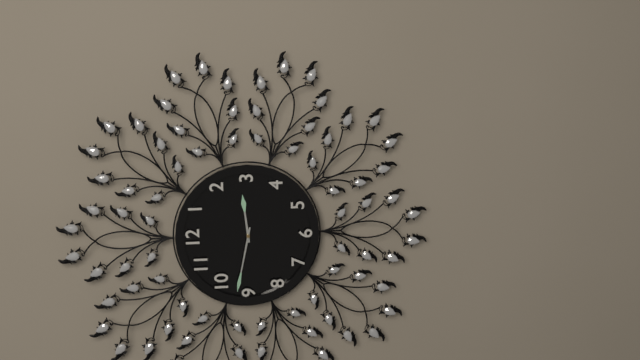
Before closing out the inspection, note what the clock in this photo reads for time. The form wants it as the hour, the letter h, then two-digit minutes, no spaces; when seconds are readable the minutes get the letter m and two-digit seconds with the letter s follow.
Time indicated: 2h47
